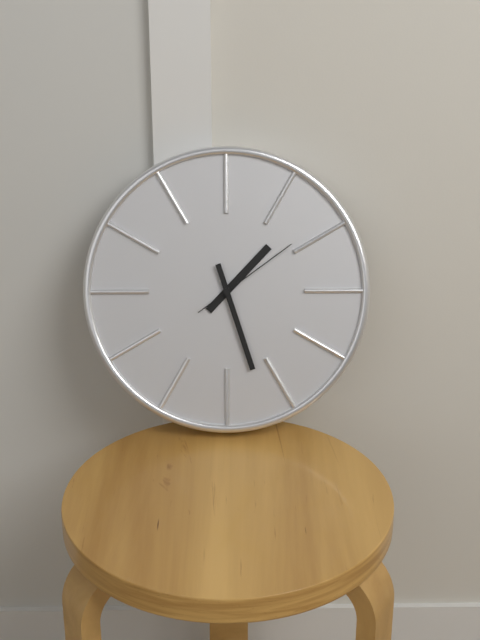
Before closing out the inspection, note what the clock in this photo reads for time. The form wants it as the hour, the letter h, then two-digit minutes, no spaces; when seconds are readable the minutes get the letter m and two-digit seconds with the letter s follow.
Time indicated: 1h27m09s
